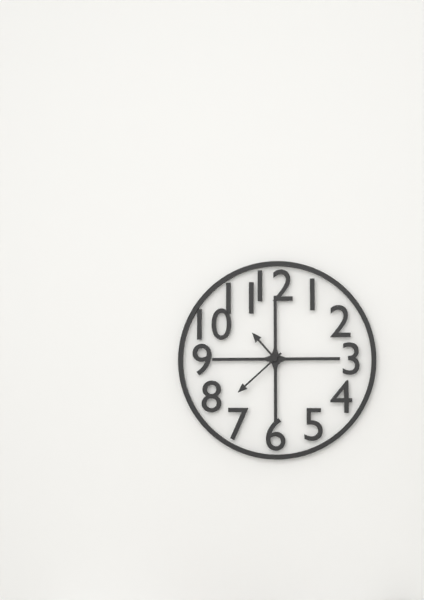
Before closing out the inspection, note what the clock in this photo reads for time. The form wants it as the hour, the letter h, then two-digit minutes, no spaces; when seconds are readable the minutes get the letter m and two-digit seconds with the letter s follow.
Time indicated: 10h38
